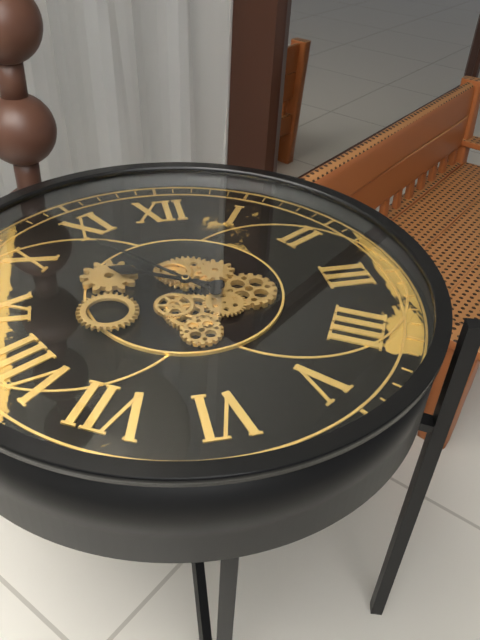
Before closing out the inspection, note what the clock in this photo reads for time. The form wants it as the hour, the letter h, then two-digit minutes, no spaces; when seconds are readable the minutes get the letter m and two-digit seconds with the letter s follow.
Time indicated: 9h53
